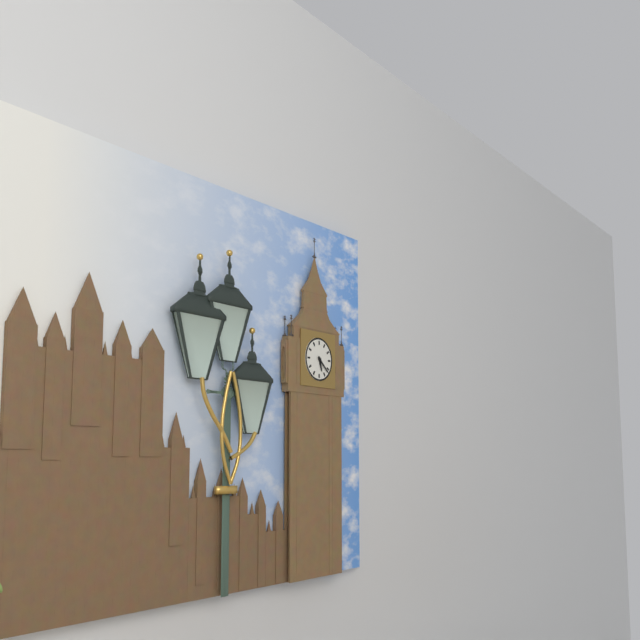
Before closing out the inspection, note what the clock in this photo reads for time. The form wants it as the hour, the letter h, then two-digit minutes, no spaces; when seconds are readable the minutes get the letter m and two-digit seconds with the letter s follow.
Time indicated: 5h22
